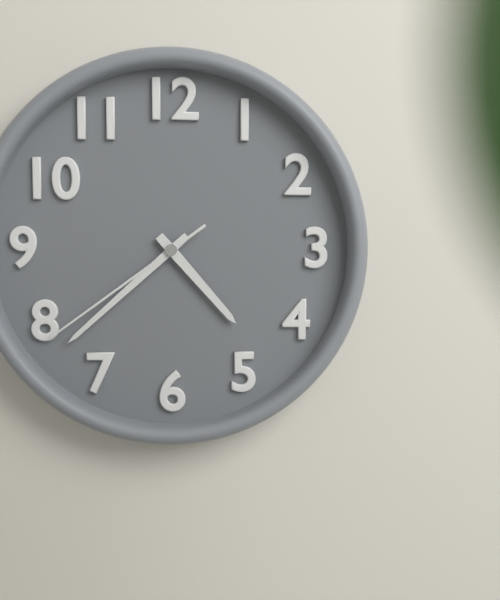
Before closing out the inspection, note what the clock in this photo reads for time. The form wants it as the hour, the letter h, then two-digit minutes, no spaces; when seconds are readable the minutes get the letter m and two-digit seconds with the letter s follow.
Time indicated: 4h38m39s
